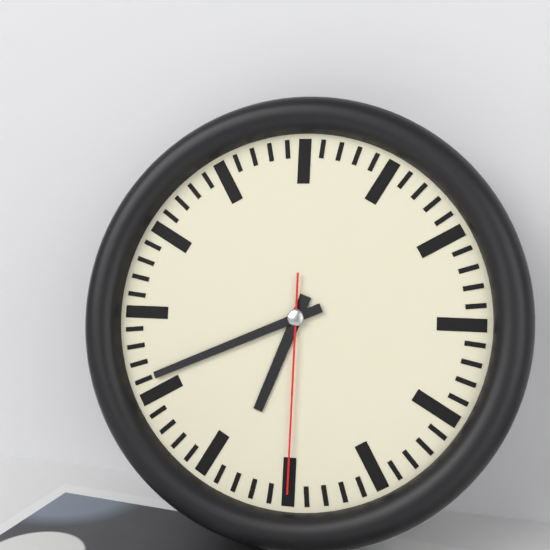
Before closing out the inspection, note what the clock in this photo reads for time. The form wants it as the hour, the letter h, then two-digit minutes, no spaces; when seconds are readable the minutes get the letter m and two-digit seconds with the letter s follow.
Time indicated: 6h41m30s
